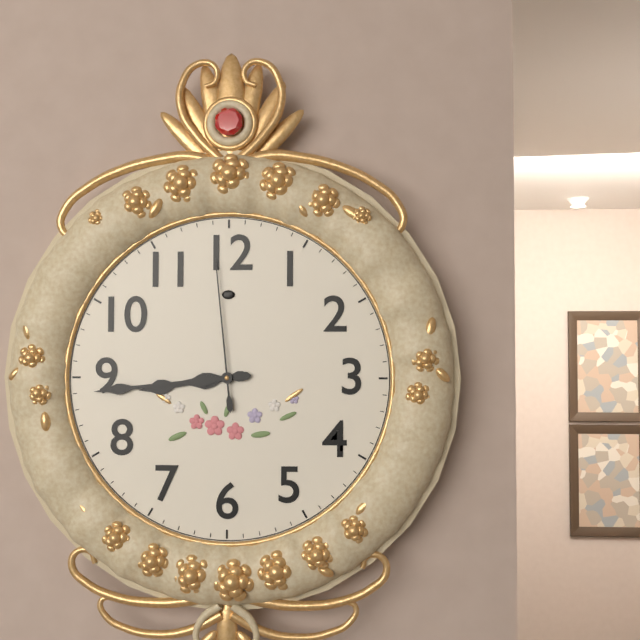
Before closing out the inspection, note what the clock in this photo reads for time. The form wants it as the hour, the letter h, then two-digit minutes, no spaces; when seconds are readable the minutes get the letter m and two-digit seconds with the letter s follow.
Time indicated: 8h44m59s
